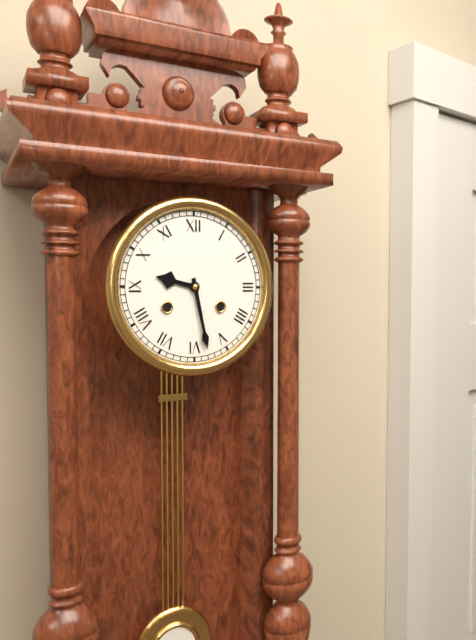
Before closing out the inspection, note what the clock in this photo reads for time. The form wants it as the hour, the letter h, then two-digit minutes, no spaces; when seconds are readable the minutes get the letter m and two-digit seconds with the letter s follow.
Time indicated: 9h28
